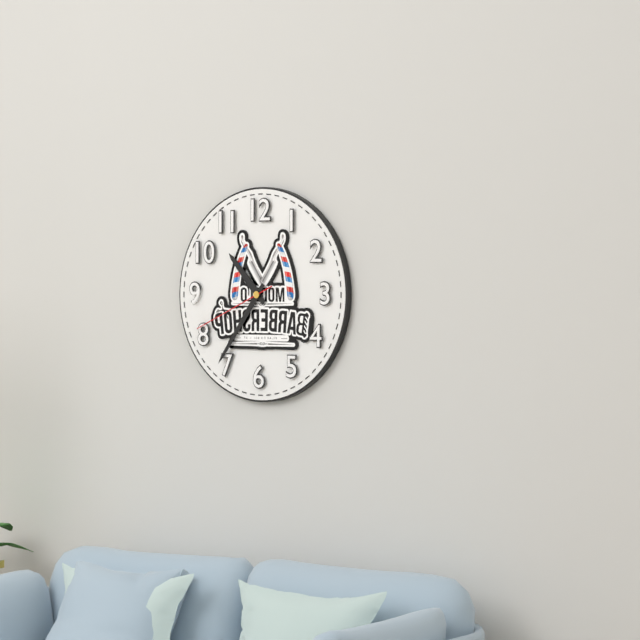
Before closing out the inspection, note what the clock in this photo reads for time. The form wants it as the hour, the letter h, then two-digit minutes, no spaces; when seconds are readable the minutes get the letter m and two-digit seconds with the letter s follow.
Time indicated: 10h36m41s
